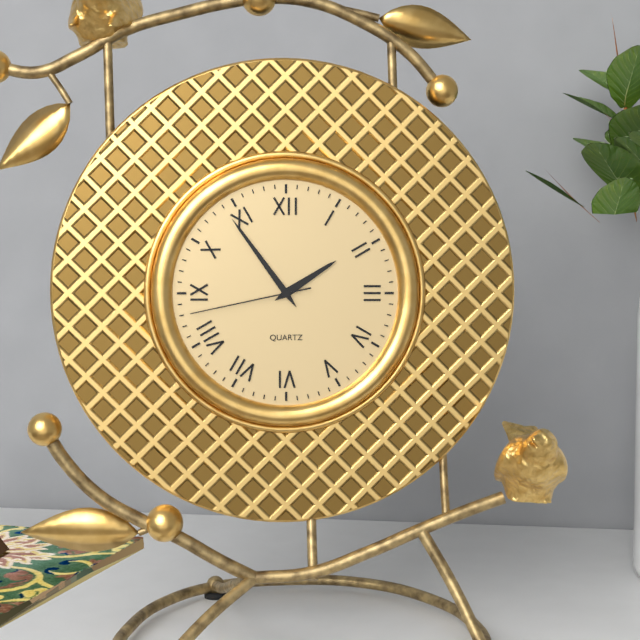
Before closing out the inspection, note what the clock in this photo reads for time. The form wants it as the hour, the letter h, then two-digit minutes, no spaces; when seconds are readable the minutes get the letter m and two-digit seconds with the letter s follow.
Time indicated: 1h54m43s
